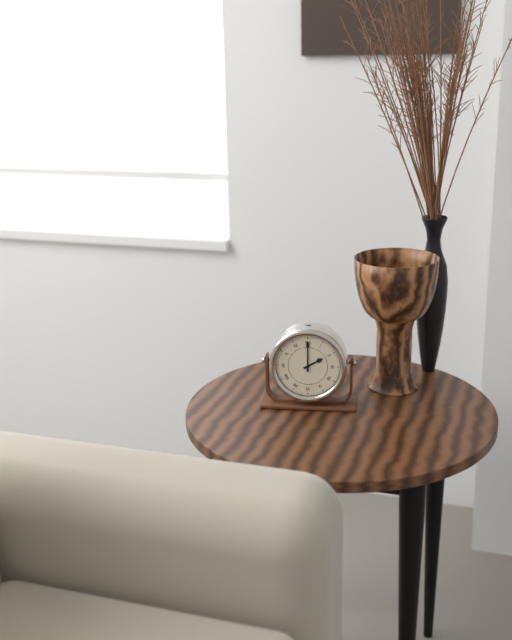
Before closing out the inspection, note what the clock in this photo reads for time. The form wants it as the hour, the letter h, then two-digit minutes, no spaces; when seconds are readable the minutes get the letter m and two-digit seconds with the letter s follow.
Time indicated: 2h00
